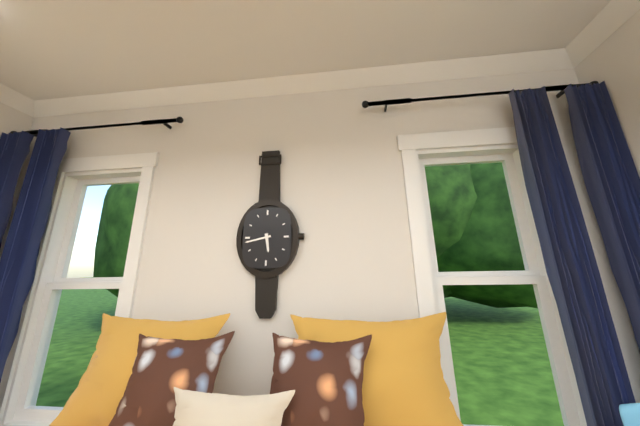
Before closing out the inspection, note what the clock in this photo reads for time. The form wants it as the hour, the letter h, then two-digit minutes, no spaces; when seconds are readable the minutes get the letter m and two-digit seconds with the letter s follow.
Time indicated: 5h43
